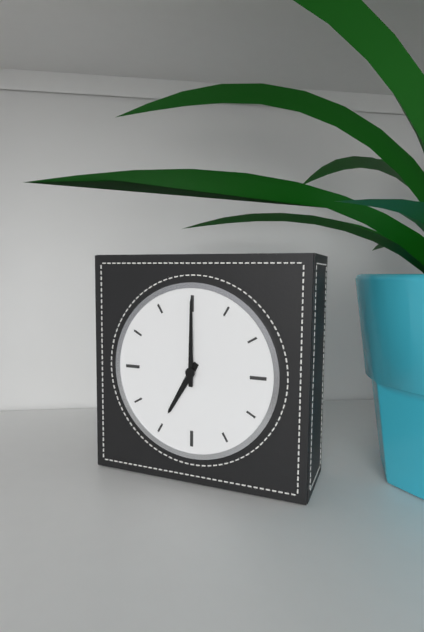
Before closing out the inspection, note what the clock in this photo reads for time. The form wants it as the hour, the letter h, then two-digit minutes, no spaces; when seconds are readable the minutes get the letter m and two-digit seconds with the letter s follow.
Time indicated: 7h00
